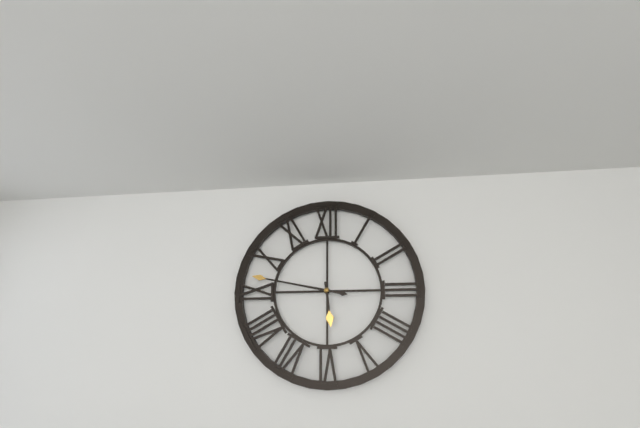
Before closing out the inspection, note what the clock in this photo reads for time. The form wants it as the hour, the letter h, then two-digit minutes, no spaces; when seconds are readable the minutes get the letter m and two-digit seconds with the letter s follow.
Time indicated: 5h47
